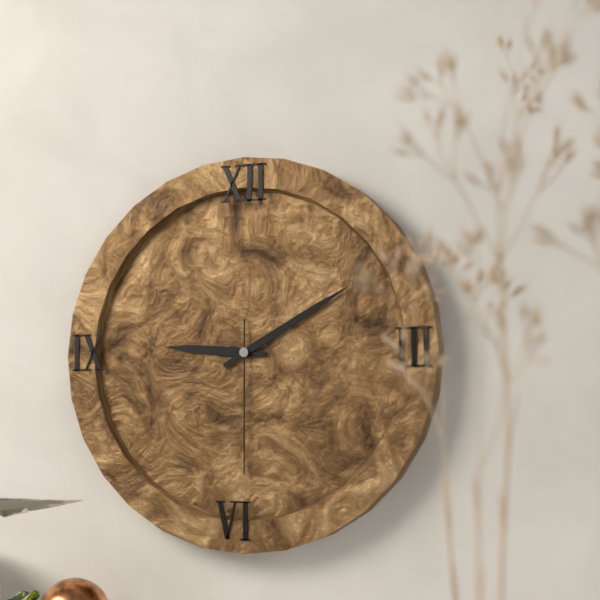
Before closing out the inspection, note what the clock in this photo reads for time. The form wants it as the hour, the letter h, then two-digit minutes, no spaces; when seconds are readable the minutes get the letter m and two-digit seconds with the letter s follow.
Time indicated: 9h10m30s
